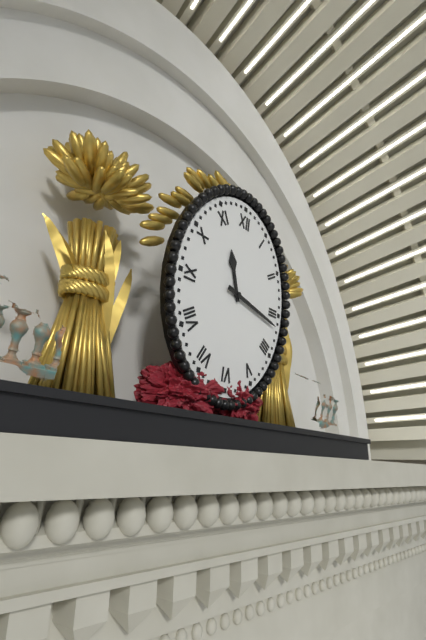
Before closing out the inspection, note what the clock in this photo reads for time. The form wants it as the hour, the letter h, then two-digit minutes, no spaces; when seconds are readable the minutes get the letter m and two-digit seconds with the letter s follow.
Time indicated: 11h17
